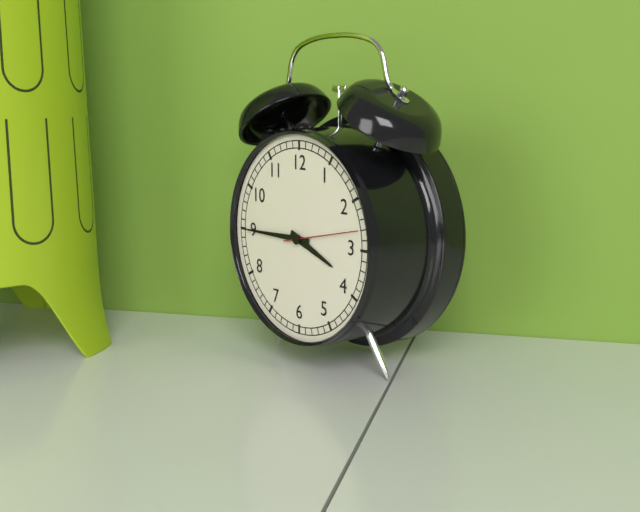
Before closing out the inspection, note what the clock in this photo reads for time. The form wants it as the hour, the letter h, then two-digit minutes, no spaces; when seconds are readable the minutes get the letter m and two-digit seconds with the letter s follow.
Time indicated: 3h45m13s
